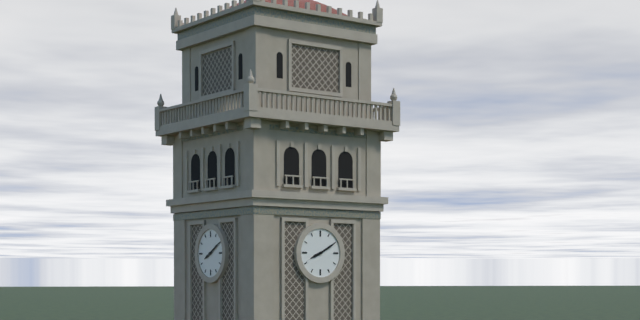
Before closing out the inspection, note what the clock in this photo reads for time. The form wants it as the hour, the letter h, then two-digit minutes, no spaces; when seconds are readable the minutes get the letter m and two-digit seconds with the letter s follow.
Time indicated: 8h10
